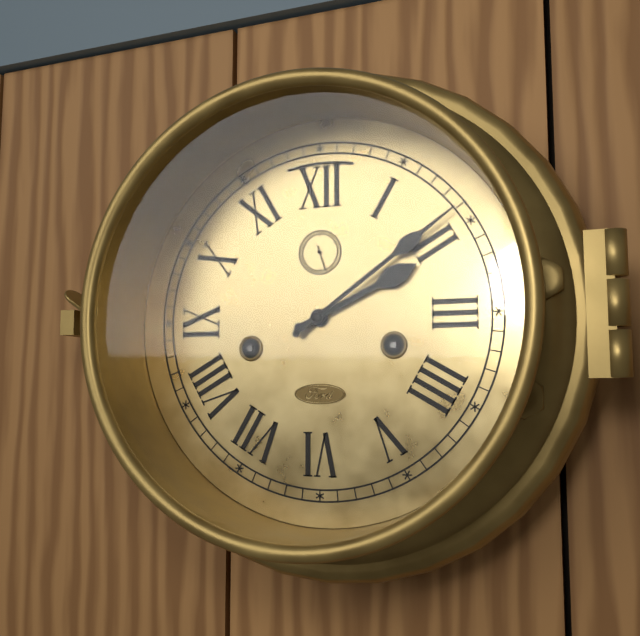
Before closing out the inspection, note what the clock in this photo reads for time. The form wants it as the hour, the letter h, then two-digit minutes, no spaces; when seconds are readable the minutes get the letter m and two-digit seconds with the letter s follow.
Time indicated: 2h09
